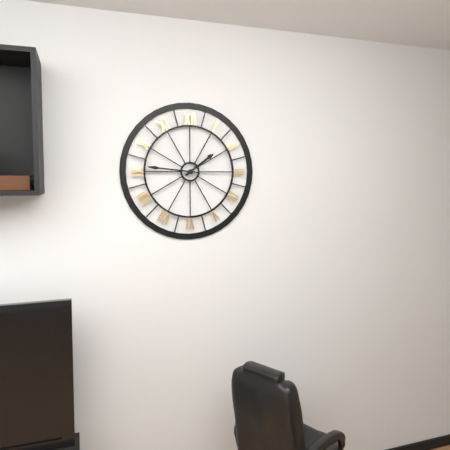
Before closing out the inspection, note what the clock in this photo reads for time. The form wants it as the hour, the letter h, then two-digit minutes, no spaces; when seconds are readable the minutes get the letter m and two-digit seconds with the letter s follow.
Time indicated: 1h46
